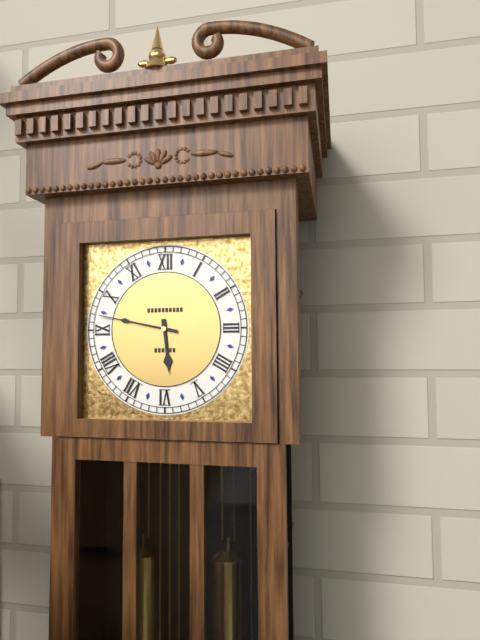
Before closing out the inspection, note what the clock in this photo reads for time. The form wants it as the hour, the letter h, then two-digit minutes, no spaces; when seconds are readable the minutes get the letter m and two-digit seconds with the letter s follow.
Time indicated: 5h47
